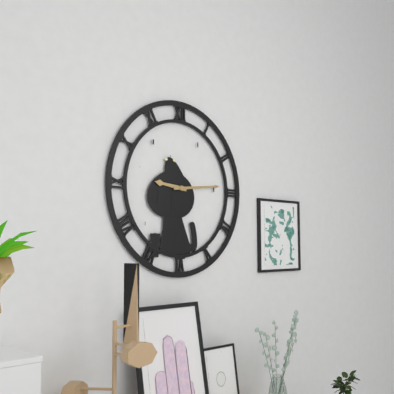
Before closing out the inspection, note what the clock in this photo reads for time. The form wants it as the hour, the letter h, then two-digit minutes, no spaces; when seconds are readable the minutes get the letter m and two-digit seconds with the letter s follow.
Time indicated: 9h14
